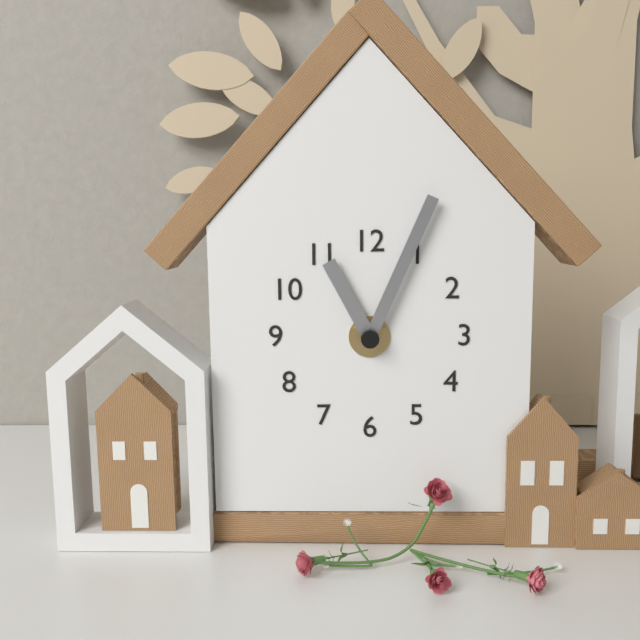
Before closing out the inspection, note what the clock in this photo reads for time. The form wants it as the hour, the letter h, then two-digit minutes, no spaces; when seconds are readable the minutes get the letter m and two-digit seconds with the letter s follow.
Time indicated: 11h04
